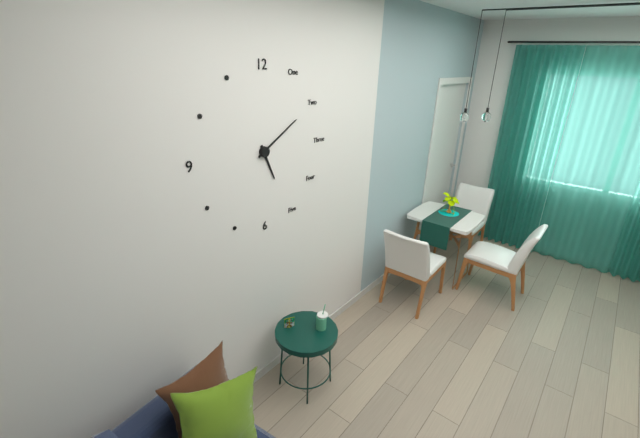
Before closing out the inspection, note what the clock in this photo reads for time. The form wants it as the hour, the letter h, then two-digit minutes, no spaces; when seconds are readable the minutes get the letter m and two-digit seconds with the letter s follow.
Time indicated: 5h10
